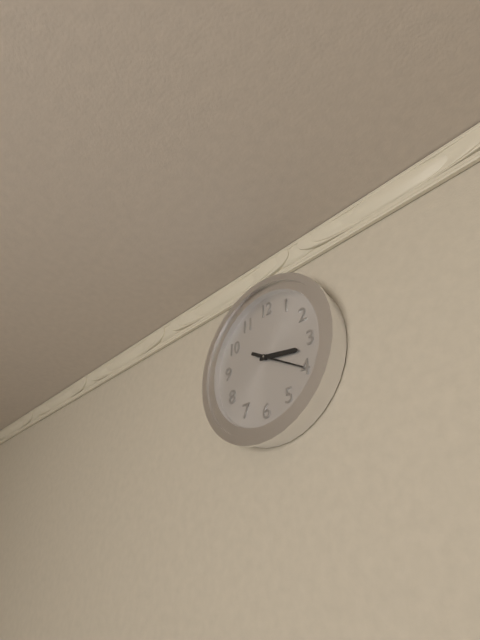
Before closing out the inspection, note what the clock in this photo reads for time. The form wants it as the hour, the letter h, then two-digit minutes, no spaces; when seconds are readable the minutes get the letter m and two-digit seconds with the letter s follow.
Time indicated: 3h20
